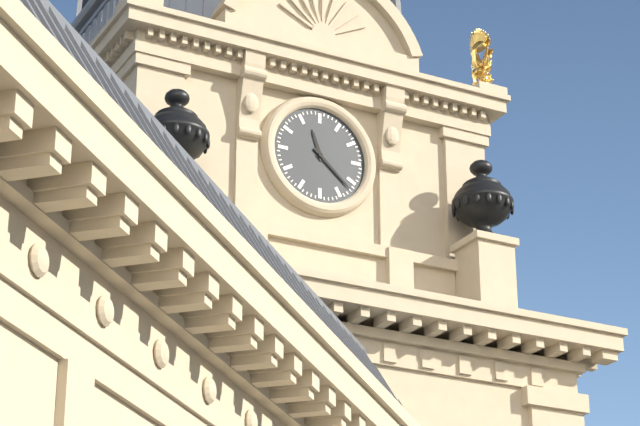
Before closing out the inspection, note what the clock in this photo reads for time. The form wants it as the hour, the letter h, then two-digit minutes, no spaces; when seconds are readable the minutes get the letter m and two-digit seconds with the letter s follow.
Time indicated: 11h22
